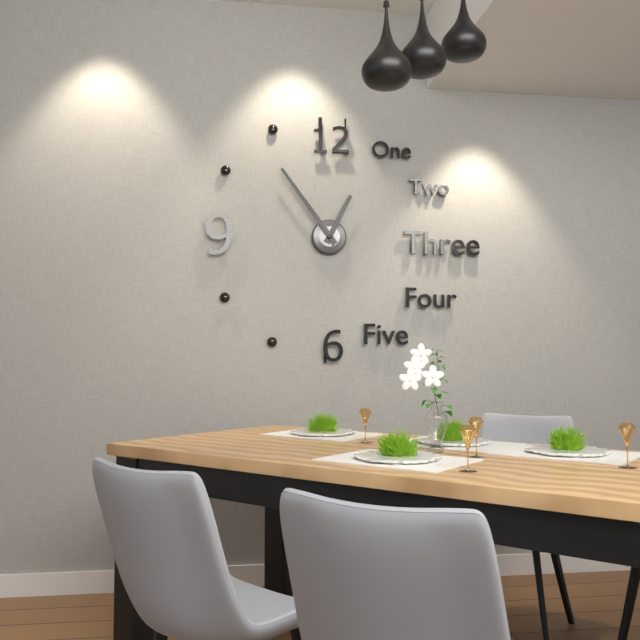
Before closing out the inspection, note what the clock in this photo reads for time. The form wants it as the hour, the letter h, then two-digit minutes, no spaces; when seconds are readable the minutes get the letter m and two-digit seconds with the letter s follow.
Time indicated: 12h54
